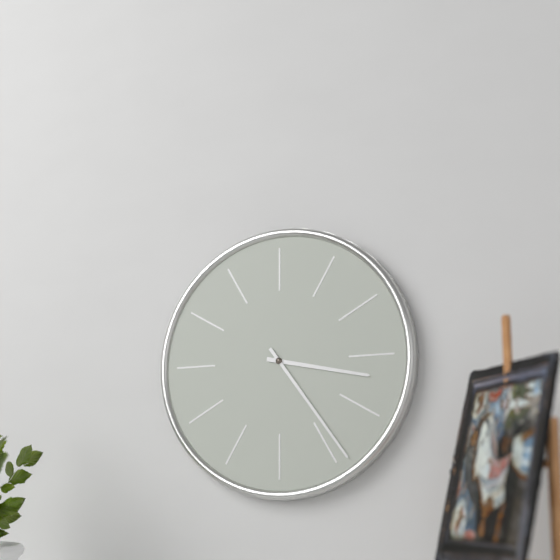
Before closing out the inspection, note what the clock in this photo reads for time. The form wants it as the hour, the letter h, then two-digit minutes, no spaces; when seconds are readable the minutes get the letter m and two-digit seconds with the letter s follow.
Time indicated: 3h24
